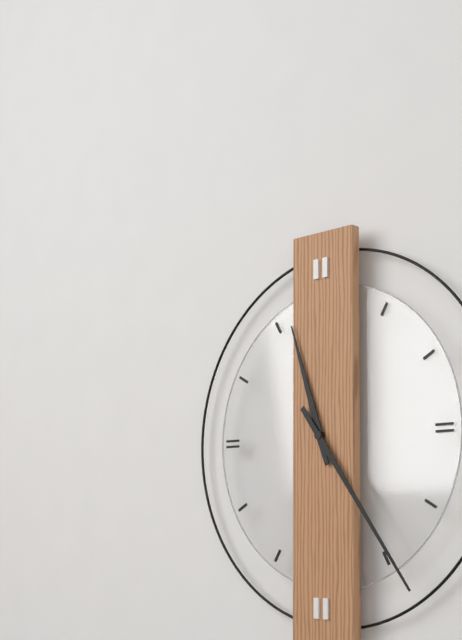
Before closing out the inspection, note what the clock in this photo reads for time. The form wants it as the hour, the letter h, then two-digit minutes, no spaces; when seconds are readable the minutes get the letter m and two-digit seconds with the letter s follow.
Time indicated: 11h24
